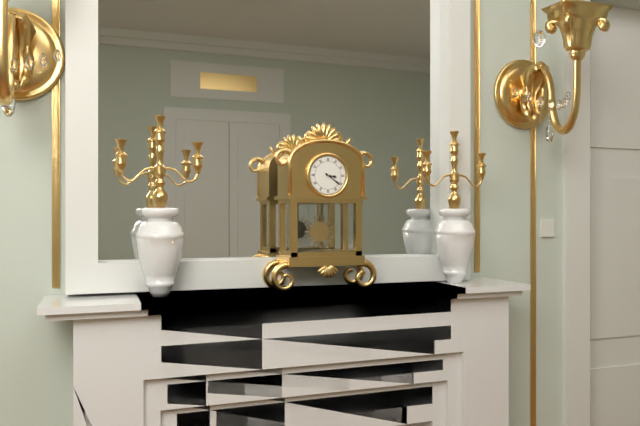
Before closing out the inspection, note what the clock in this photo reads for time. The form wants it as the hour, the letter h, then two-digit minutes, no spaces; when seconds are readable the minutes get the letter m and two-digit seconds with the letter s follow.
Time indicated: 3h21
